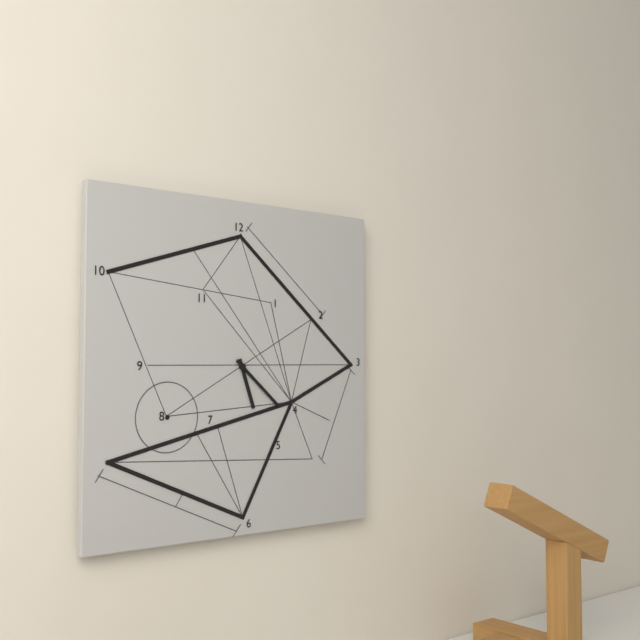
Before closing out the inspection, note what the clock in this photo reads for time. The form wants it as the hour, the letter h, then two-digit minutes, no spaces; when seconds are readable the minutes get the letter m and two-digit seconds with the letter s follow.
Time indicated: 5h22
